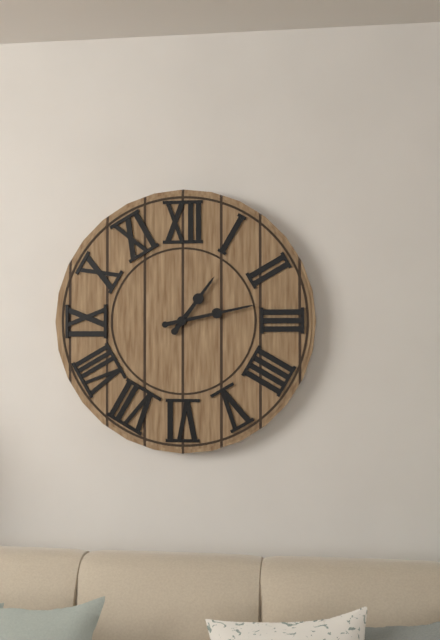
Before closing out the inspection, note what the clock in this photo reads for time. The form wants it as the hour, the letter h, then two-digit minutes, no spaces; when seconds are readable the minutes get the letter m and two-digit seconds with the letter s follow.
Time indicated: 1h13
